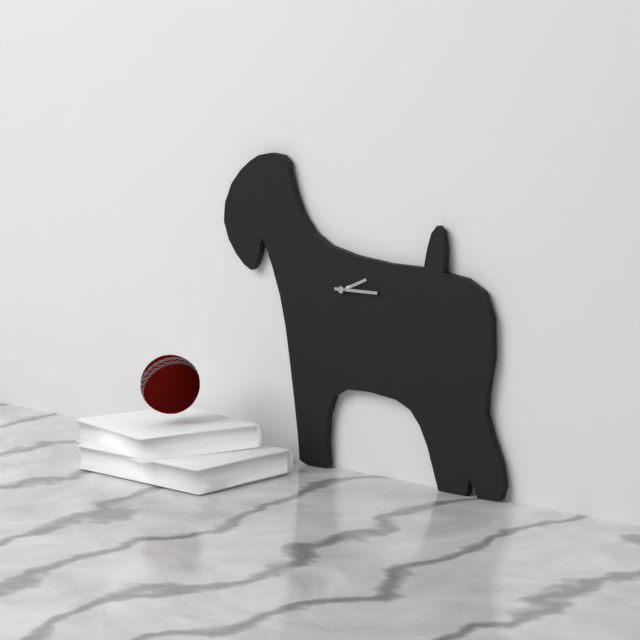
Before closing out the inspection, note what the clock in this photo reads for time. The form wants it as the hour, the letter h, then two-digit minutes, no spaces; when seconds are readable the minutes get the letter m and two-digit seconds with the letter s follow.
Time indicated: 2h15
